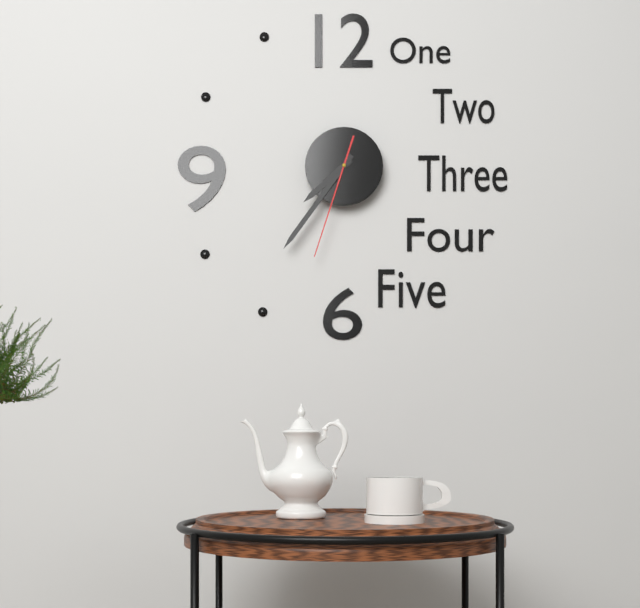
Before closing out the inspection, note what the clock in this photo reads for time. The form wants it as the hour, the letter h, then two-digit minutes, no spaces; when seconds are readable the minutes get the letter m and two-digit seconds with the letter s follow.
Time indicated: 7h36m33s
